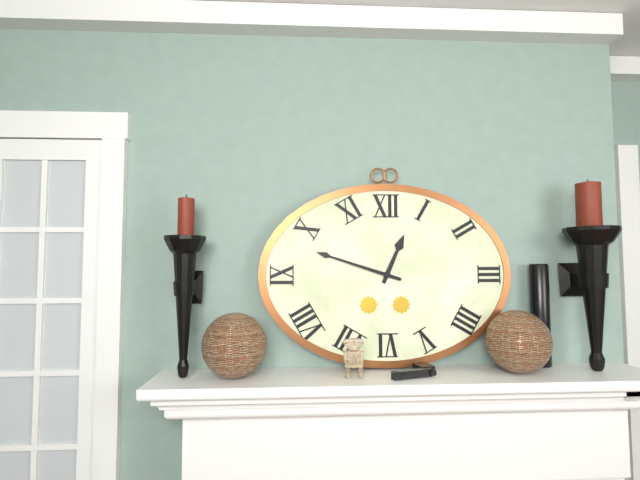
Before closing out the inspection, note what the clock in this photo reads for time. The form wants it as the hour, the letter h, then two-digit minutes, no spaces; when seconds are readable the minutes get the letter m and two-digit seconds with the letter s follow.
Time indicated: 12h48
